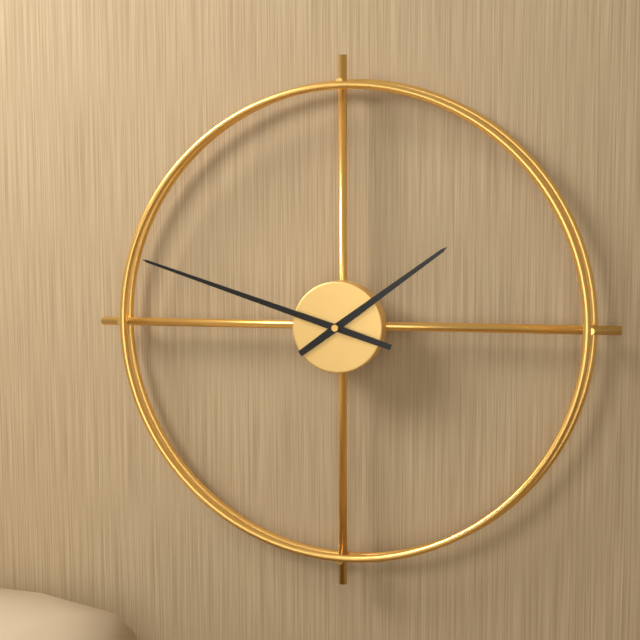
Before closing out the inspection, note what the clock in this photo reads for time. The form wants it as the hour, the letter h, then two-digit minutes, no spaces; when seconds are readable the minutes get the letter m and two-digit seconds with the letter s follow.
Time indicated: 1h48
